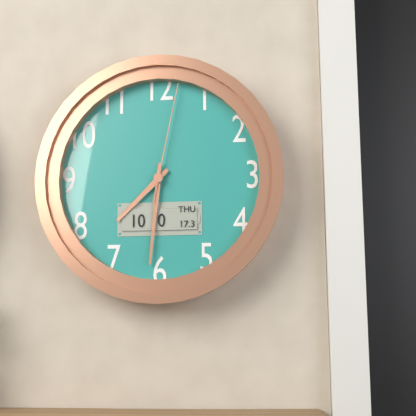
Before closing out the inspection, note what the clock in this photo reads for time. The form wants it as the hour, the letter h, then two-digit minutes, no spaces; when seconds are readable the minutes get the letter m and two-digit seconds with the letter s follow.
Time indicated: 7h31m02s
